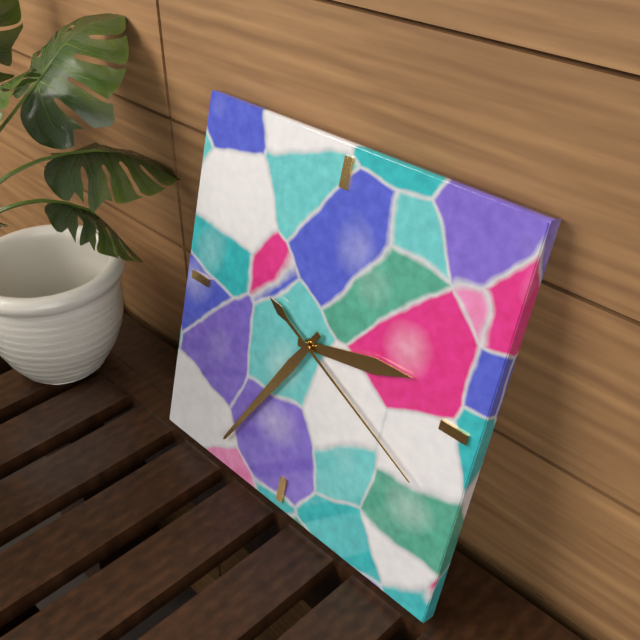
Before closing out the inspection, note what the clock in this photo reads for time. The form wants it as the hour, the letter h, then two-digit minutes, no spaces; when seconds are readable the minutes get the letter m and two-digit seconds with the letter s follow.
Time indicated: 2h35m19s
